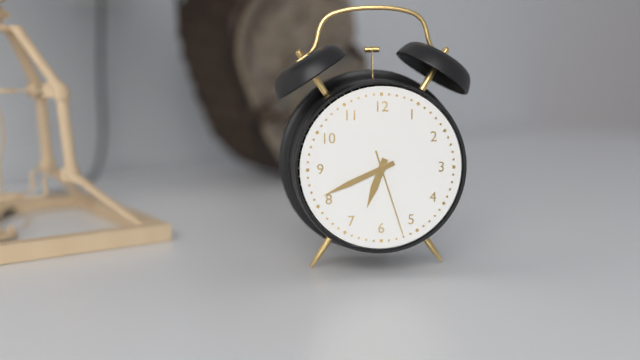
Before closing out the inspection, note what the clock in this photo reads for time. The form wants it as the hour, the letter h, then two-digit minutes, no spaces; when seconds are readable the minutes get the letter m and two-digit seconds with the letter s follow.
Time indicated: 6h41m27s
